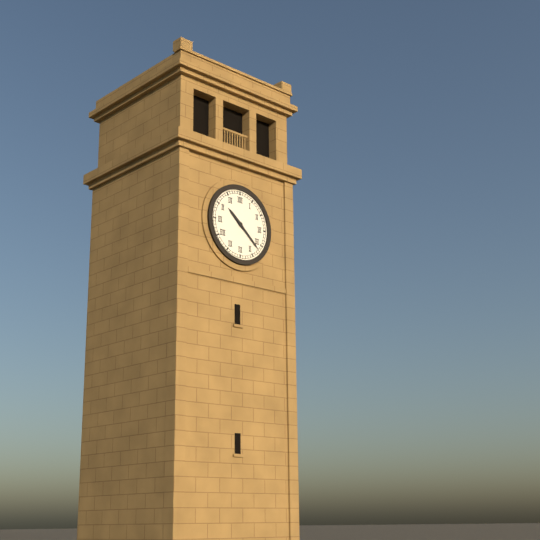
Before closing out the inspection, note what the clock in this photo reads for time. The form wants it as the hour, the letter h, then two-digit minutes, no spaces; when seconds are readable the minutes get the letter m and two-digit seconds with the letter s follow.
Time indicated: 10h22
